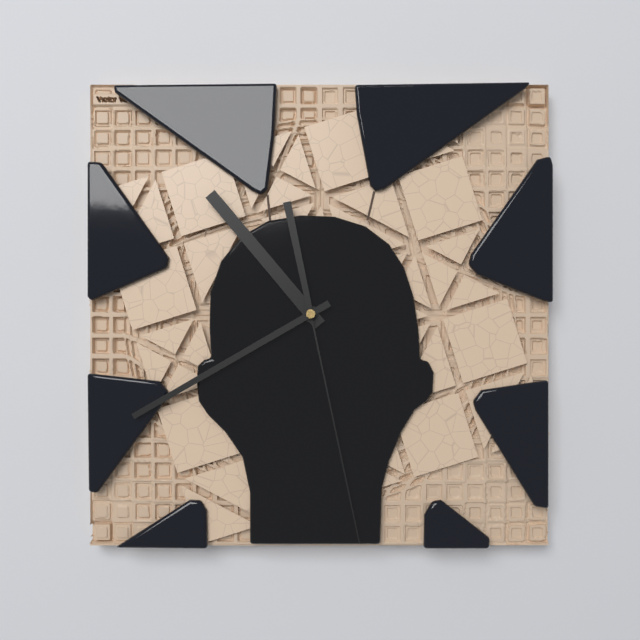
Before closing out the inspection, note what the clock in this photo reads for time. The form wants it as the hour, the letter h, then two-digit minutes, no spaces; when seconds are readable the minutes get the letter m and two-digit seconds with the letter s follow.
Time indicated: 10h40m28s
